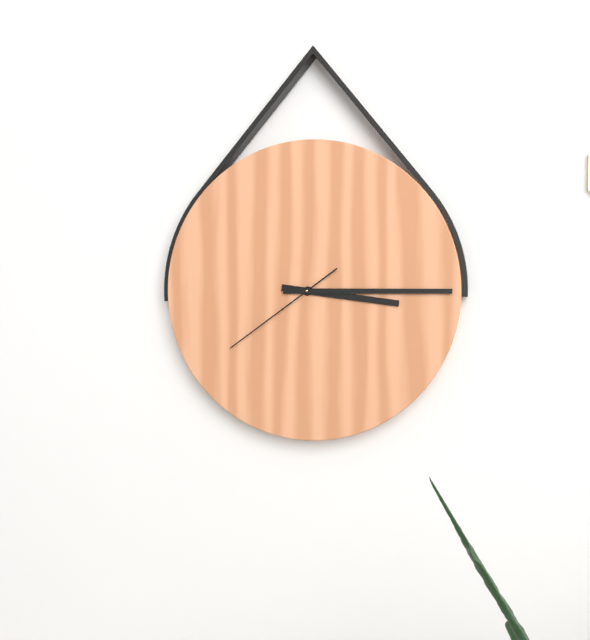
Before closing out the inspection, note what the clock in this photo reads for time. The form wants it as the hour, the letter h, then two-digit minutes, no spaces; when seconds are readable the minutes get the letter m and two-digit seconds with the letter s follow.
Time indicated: 3h15m39s
